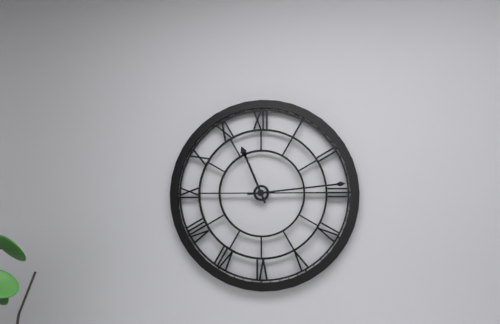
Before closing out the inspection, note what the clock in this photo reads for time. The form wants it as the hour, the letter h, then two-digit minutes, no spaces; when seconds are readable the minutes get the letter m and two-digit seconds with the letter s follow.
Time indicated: 11h14
